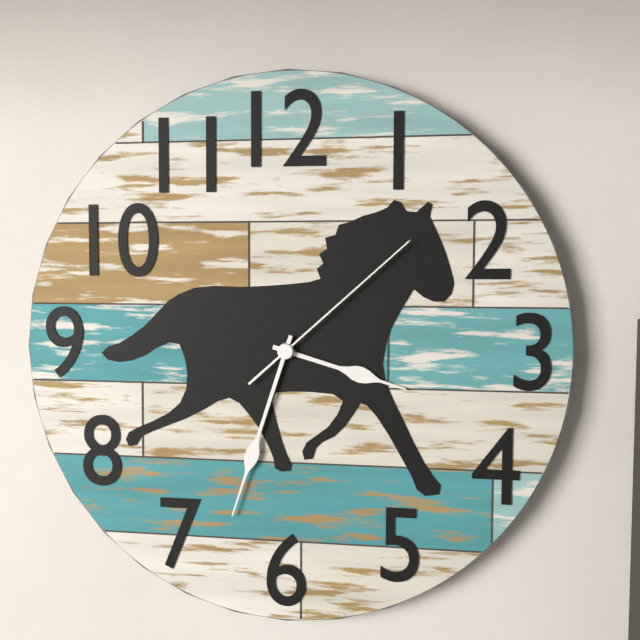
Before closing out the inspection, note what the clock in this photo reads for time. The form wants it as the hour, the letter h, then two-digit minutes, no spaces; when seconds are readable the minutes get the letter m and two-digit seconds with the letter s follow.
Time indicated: 3h33m08s
